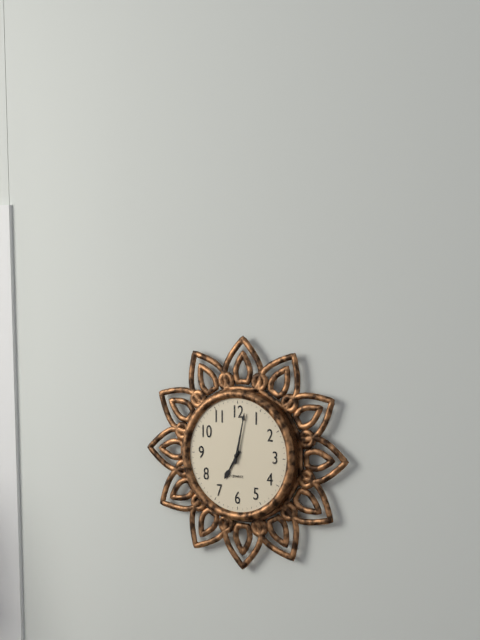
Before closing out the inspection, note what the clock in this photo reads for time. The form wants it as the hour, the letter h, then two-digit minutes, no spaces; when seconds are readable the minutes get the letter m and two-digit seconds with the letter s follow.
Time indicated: 7h02
